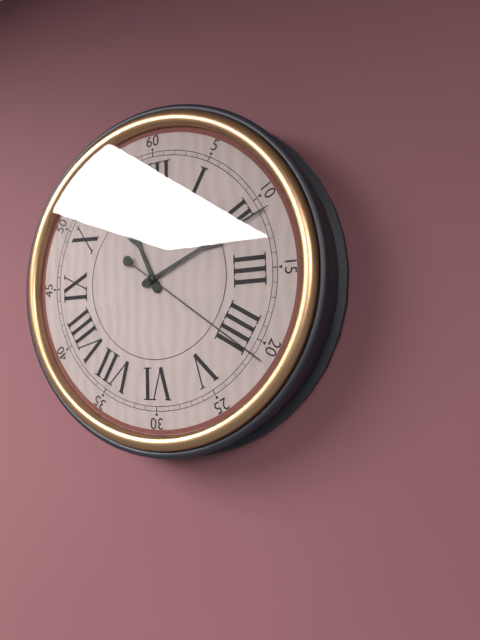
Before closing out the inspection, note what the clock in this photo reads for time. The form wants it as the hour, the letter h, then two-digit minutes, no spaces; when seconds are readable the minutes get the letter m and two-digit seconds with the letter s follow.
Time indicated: 11h11m21s
